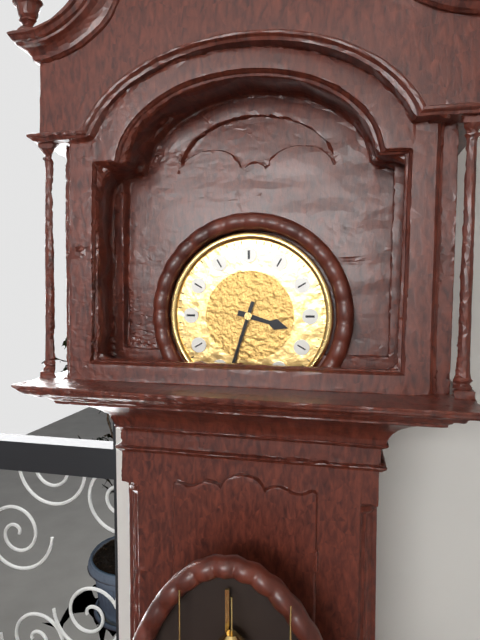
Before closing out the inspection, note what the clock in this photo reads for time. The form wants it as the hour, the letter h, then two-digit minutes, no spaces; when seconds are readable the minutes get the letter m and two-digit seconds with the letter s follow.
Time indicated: 3h33
